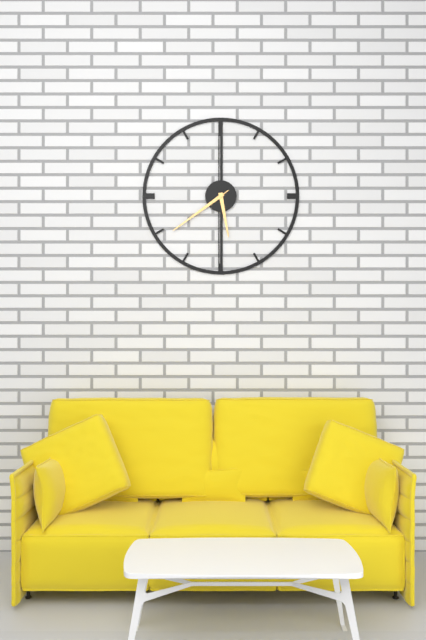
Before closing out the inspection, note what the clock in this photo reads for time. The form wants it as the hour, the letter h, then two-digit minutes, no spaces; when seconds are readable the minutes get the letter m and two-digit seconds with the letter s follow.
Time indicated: 5h39m39s
